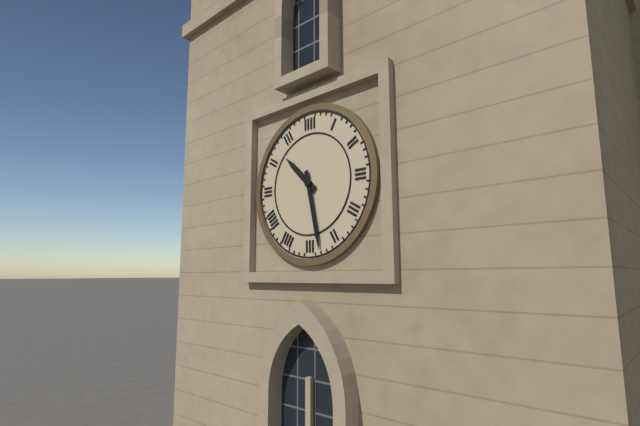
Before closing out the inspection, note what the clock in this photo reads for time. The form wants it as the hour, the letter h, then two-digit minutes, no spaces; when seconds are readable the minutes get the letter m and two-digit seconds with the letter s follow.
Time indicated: 10h28
